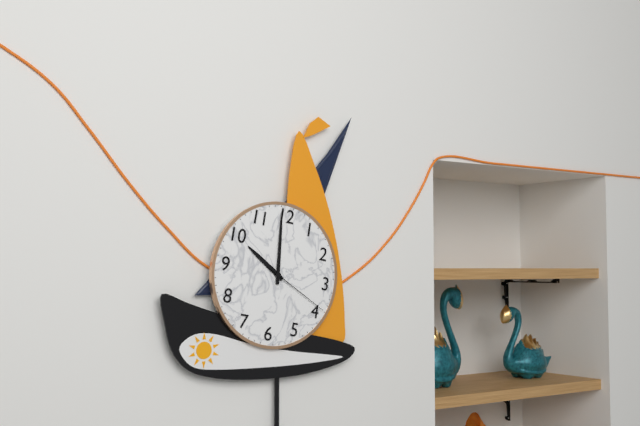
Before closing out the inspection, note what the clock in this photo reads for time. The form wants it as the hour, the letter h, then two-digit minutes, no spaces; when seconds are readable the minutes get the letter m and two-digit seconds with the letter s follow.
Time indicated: 9h59m19s
